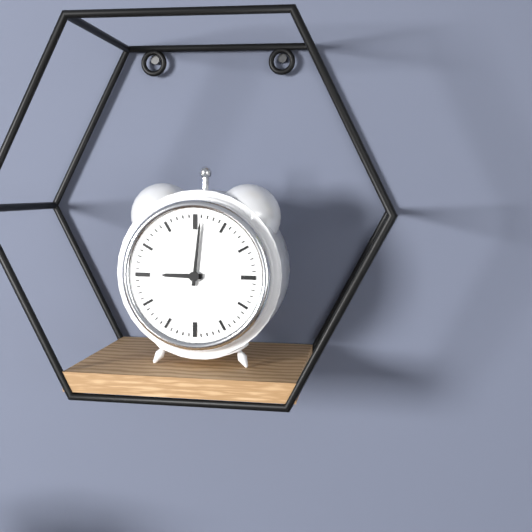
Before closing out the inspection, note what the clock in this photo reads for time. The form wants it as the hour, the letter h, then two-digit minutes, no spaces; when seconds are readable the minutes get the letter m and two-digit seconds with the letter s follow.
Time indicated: 9h01
